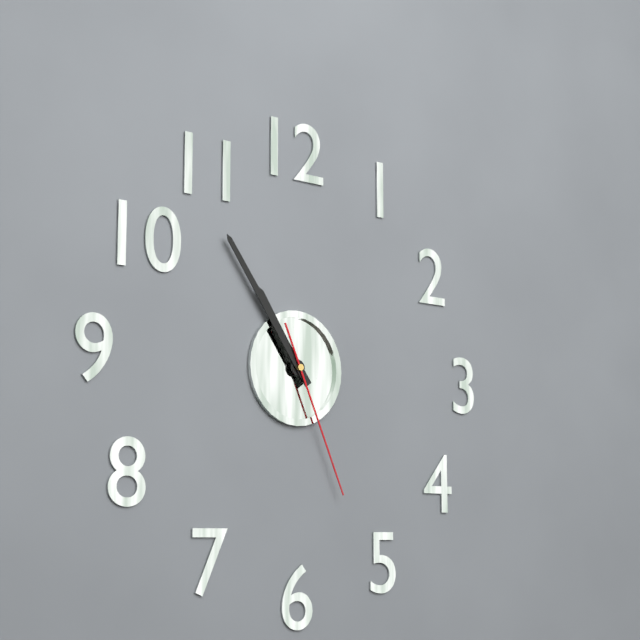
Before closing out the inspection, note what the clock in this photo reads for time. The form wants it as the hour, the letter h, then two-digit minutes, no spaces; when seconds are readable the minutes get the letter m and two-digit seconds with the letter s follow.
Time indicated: 10h54m26s
